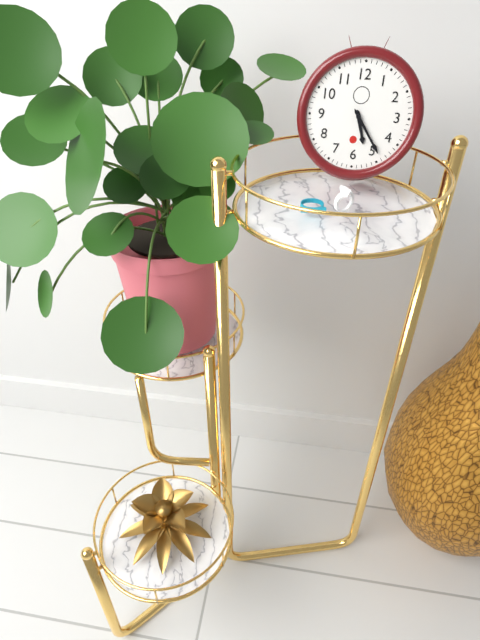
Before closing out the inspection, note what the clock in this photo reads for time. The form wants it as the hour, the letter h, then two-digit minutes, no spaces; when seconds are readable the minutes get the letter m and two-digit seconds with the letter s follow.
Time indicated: 5h24
